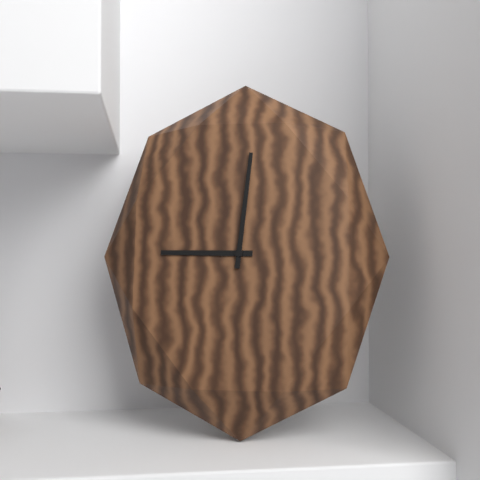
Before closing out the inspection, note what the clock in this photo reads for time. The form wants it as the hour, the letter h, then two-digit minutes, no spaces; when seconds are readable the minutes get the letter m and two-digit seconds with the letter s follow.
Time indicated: 9h01
